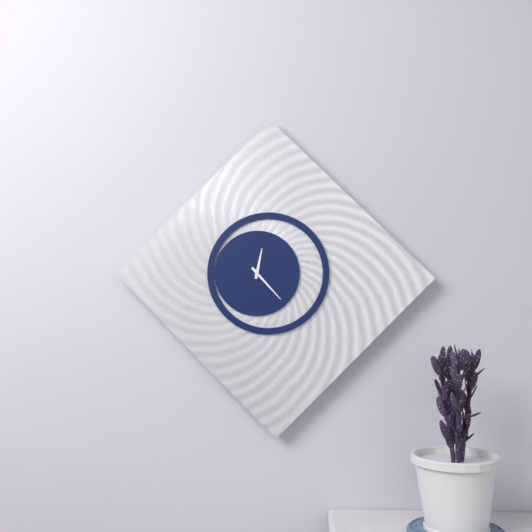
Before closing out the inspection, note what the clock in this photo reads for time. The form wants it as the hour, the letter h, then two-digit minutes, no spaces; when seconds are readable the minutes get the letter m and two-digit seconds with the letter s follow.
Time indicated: 12h23
